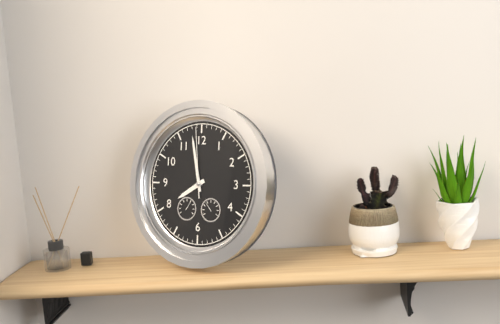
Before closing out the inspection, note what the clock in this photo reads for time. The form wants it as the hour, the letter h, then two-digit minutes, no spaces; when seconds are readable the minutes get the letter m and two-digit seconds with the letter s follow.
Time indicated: 7h58m59s
